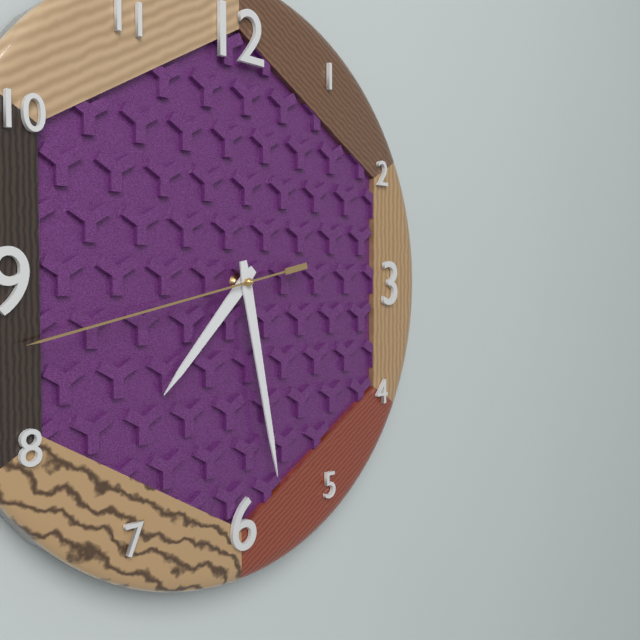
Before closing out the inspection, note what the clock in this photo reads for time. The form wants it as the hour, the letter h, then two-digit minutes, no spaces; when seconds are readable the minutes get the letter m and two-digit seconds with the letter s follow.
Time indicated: 7h28m43s
